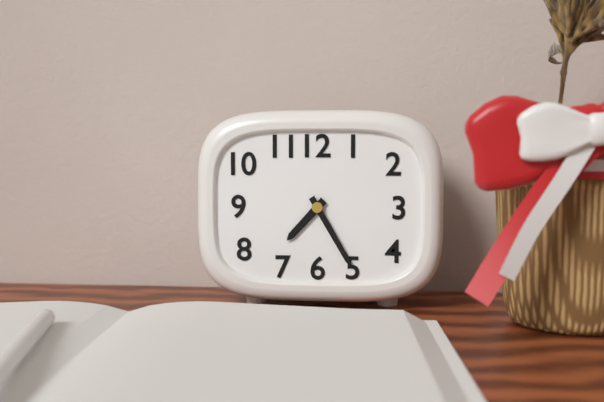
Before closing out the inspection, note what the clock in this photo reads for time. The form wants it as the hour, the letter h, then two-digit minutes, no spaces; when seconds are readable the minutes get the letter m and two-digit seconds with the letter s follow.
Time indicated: 7h25
